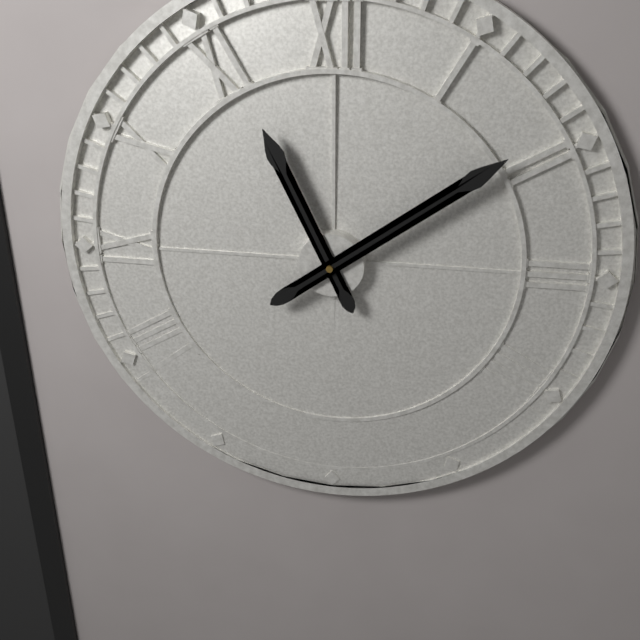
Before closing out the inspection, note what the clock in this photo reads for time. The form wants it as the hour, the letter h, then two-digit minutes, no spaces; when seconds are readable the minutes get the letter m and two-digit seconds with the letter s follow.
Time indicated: 11h09
